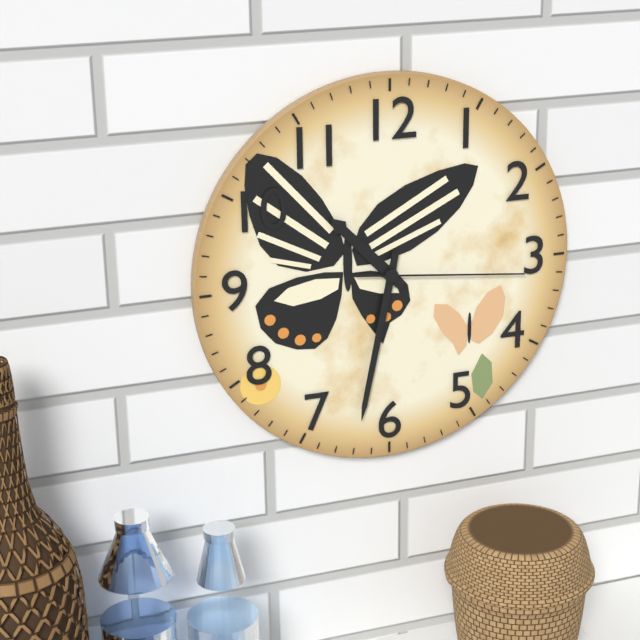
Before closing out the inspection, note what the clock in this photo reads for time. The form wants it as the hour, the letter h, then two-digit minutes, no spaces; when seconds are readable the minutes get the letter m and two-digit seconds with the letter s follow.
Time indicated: 10h32m16s
